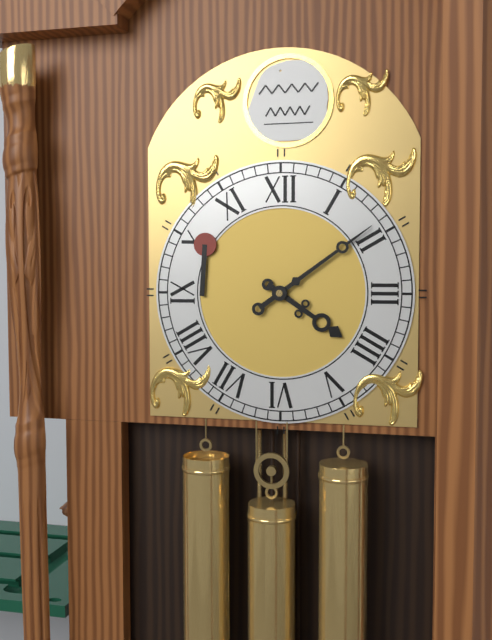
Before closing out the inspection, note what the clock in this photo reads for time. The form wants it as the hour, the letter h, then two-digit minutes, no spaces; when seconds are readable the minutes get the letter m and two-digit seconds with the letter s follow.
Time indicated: 4h09
